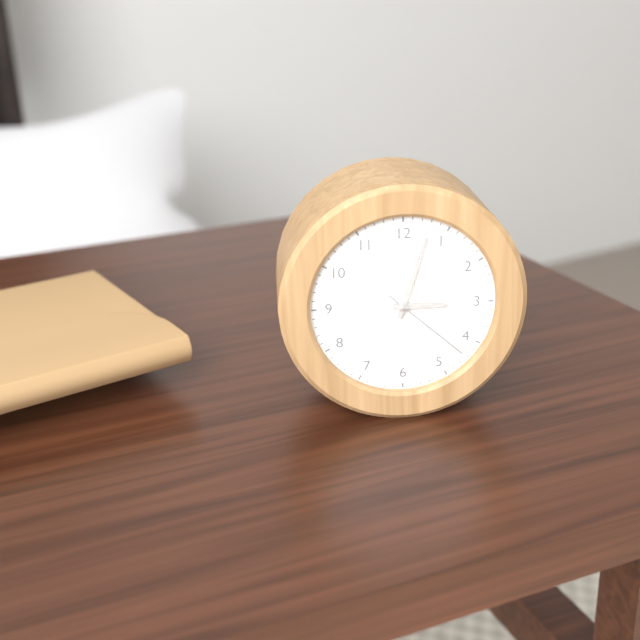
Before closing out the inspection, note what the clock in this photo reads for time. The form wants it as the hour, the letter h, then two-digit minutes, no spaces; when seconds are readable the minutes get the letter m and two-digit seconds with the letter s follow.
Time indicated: 3h03m22s
